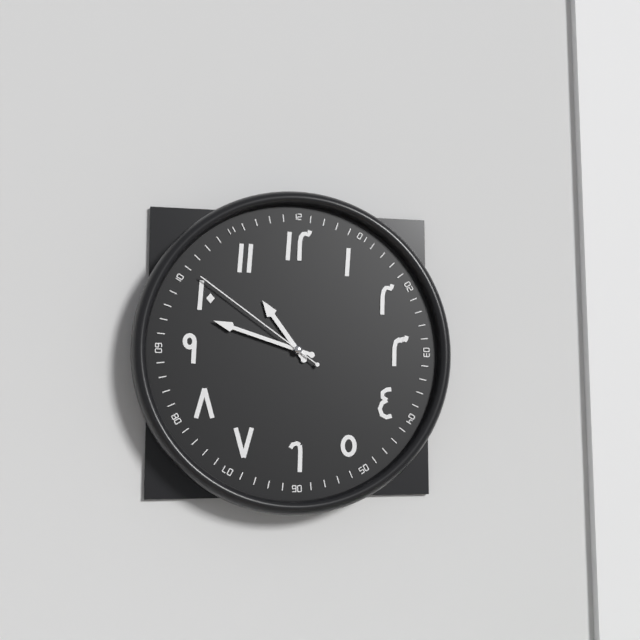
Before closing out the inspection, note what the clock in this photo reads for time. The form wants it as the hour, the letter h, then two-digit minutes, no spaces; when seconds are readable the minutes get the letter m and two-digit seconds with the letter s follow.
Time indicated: 10h48m51s
